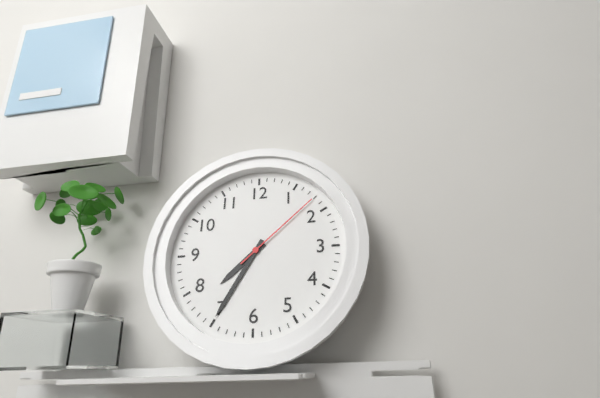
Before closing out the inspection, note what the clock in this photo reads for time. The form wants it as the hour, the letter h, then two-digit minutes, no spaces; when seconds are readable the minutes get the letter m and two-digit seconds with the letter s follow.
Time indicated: 7h35m08s
